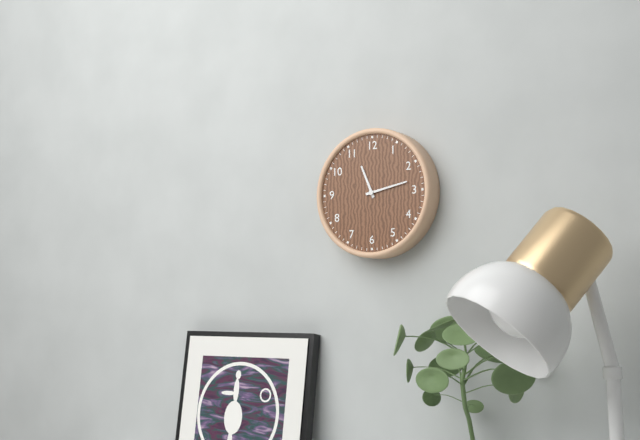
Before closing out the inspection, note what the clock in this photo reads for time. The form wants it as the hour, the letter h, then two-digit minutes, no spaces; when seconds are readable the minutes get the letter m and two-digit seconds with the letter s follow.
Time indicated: 11h13
